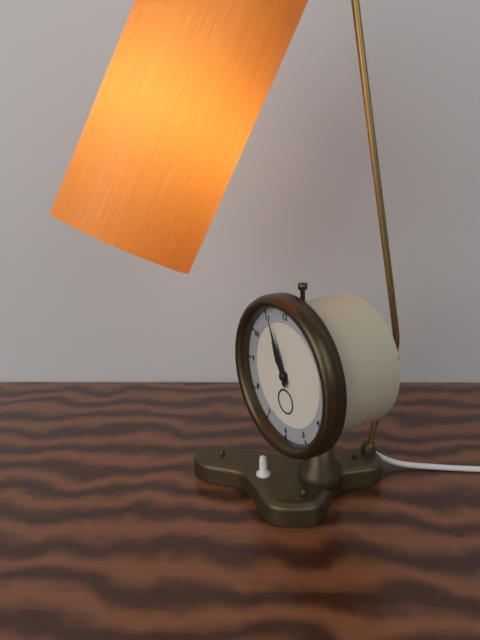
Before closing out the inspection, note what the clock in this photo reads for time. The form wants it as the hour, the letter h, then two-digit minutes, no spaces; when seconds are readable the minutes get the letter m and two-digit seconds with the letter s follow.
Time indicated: 10h56
